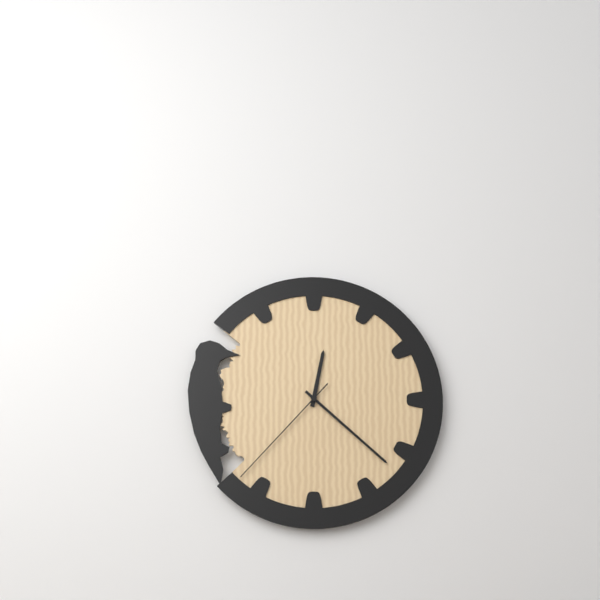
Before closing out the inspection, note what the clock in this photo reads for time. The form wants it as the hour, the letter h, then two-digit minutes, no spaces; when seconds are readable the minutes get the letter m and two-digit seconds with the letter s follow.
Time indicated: 12h22m37s
